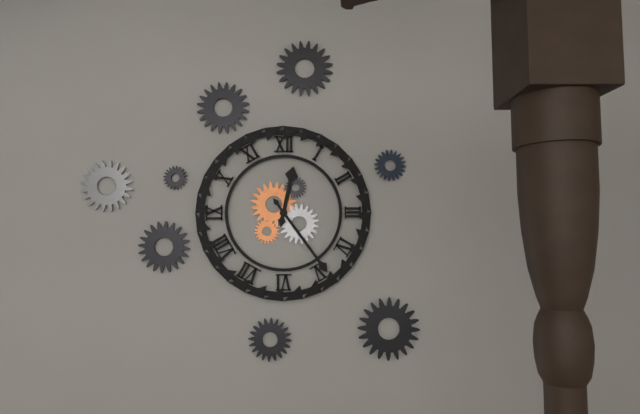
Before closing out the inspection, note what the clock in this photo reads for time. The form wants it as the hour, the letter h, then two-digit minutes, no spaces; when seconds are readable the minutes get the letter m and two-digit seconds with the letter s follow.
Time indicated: 12h24
